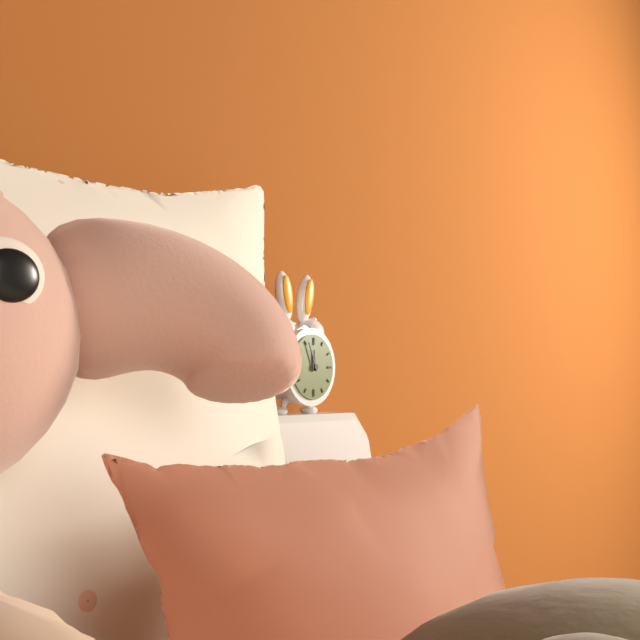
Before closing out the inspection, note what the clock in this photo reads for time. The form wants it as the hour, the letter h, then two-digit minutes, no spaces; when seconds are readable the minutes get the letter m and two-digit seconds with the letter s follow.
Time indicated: 11h56
